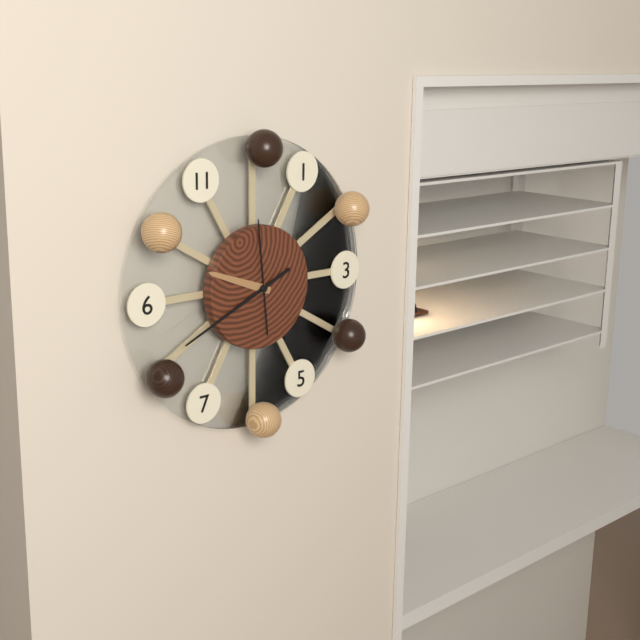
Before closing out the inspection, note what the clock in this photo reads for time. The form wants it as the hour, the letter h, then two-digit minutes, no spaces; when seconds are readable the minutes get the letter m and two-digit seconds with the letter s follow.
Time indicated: 9h41m59s
